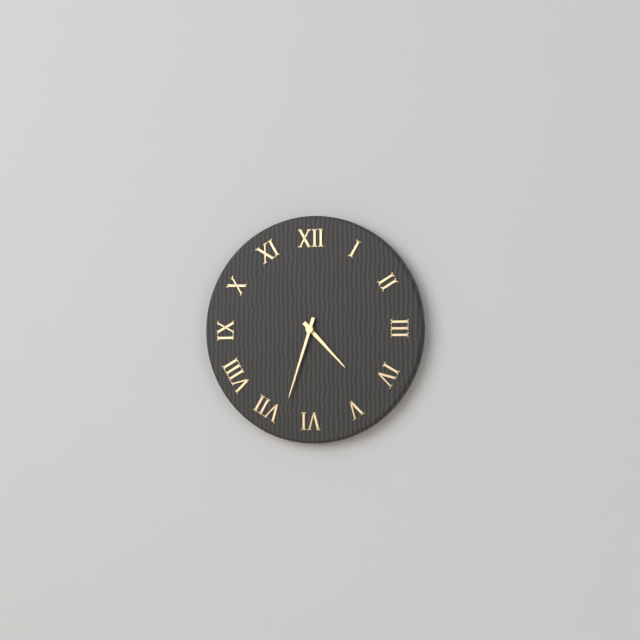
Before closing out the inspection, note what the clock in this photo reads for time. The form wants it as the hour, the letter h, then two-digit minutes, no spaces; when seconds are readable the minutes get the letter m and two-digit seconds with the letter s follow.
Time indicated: 4h33
